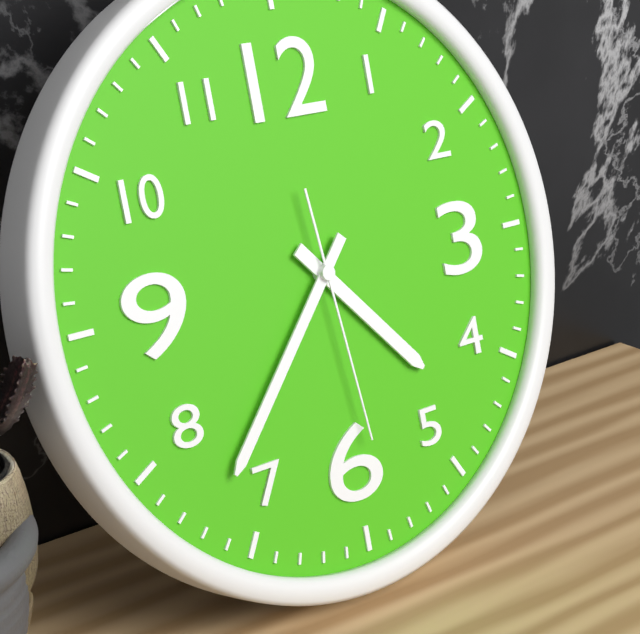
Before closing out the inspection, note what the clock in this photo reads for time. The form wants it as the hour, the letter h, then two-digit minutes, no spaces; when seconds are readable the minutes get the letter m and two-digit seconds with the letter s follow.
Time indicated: 4h37m29s
